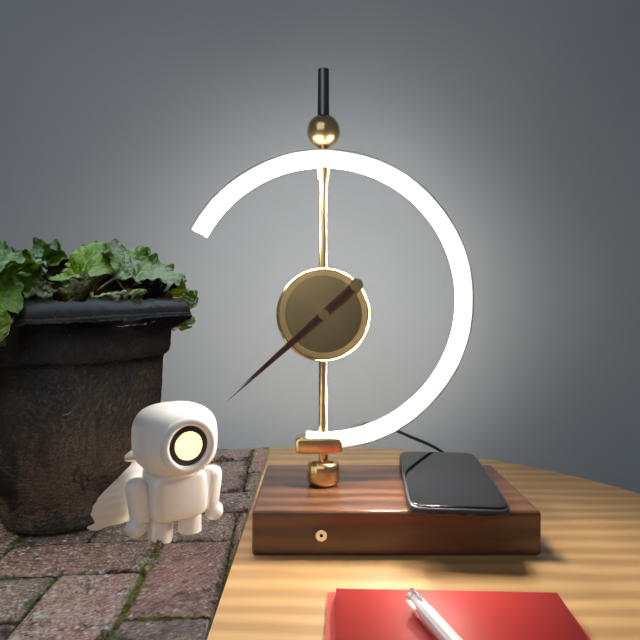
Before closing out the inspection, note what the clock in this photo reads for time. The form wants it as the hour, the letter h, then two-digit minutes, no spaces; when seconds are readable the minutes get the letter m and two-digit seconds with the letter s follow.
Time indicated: 7h38
